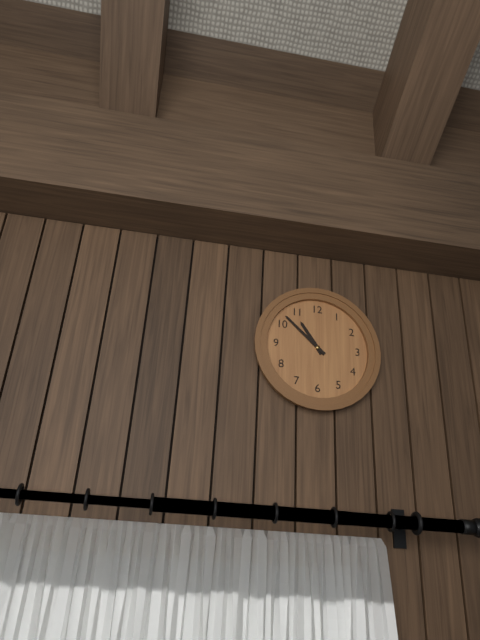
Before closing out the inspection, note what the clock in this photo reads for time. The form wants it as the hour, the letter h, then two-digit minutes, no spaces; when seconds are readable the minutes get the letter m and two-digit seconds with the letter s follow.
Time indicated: 10h52
